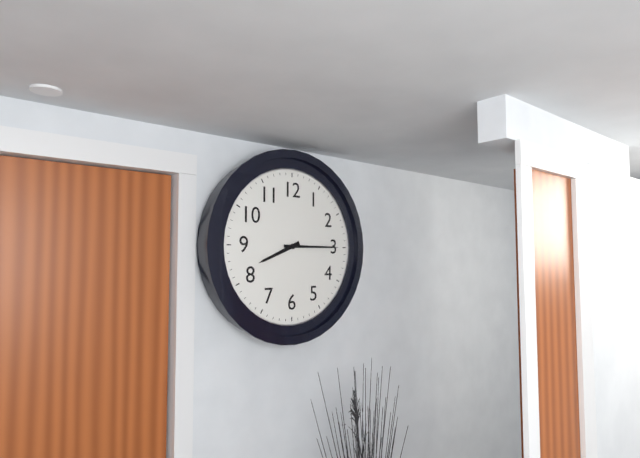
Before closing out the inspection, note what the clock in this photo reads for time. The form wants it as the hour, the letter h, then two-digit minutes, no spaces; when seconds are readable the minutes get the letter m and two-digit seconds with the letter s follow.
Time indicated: 8h15
